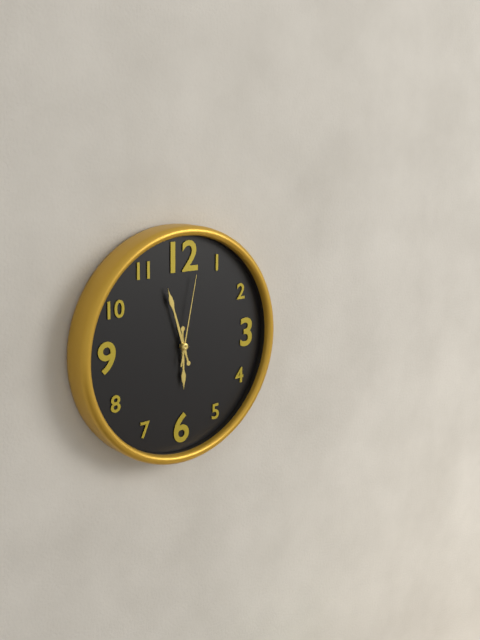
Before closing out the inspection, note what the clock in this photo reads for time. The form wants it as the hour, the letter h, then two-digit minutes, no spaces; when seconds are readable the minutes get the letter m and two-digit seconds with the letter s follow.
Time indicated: 5h57m02s
